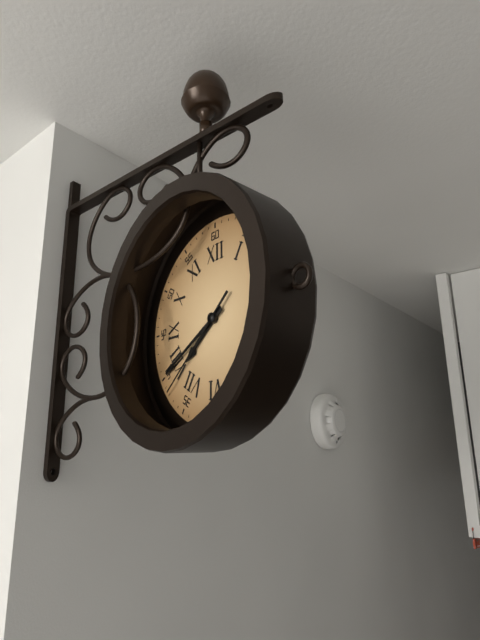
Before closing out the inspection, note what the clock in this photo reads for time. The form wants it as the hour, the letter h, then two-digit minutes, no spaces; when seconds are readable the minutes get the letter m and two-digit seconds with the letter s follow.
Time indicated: 7h40m38s
